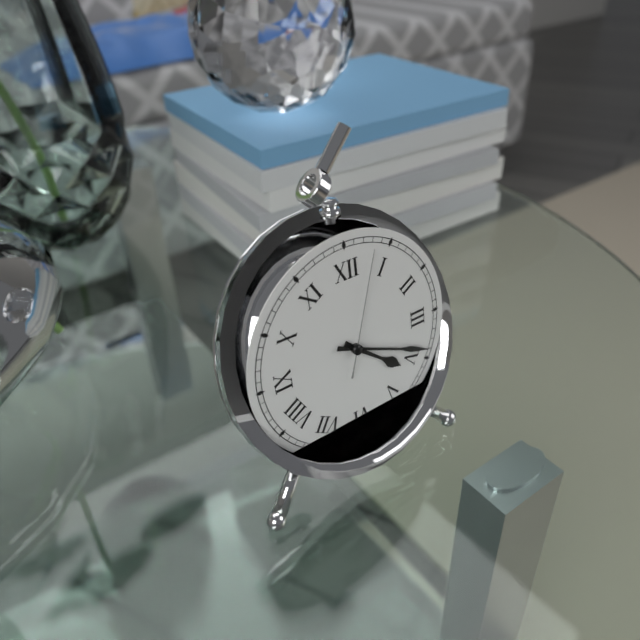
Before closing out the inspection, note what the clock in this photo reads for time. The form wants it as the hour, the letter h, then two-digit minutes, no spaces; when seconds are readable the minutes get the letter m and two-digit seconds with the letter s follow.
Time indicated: 4h19m03s
